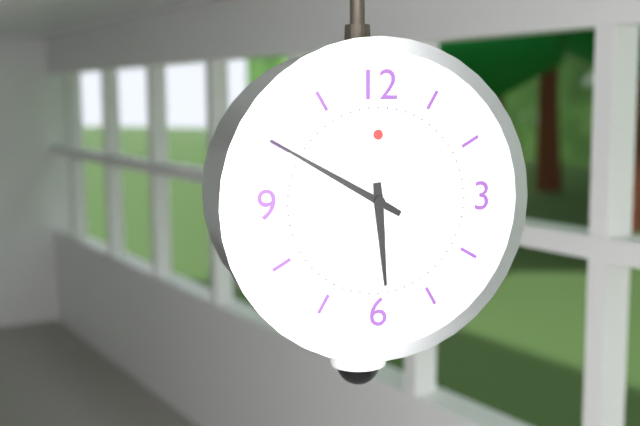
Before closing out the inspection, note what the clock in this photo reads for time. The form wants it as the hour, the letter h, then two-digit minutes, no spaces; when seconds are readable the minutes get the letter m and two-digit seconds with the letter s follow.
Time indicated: 5h50
